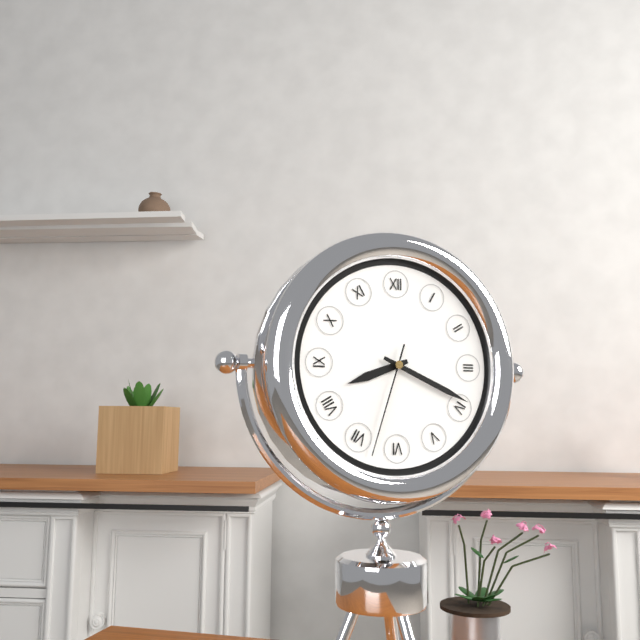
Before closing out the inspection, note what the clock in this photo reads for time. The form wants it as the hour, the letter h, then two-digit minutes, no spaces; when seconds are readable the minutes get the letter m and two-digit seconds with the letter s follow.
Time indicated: 8h19m33s
